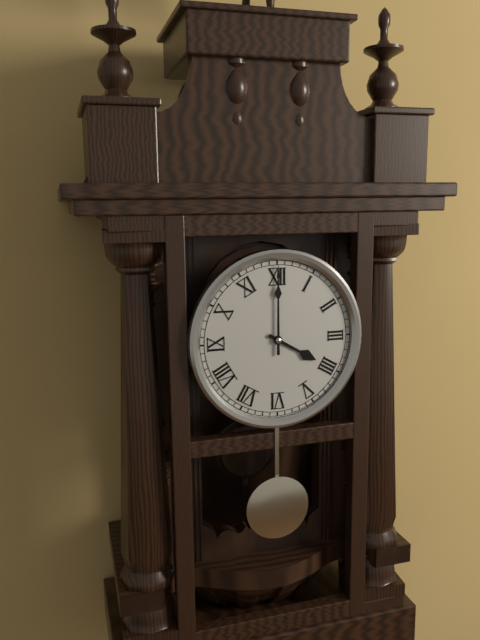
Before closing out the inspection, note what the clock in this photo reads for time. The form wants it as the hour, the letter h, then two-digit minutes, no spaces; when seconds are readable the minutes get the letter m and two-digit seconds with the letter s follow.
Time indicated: 4h00
